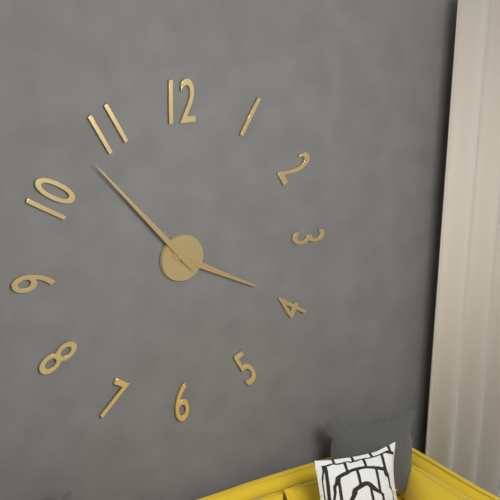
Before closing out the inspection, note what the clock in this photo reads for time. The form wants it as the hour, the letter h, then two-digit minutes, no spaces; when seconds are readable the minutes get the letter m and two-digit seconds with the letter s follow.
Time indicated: 3h53
